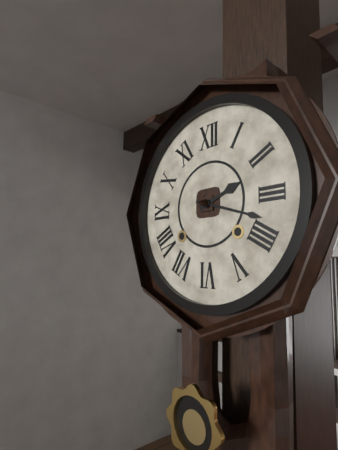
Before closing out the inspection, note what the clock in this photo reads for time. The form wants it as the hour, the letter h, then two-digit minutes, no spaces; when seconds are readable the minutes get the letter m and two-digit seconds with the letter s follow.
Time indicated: 2h18
